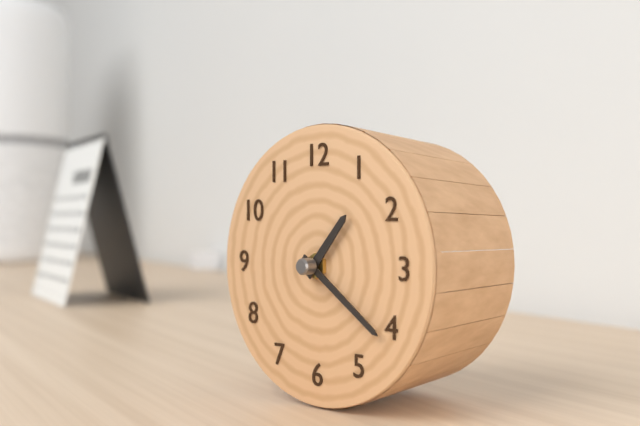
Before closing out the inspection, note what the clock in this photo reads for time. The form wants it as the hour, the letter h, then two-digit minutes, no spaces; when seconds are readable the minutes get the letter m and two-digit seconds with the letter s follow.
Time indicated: 1h21
